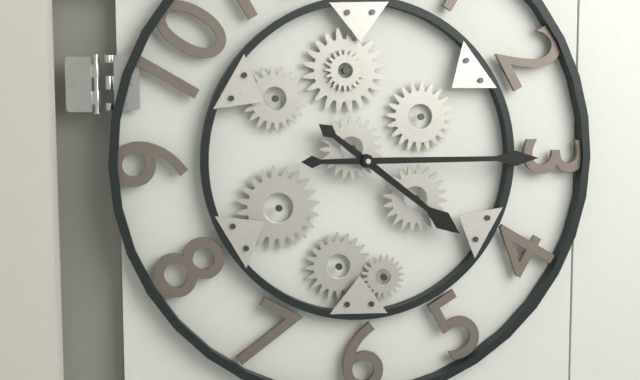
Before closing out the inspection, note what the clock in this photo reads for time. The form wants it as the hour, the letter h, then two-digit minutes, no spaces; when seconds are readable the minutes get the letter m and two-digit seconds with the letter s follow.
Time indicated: 4h15
